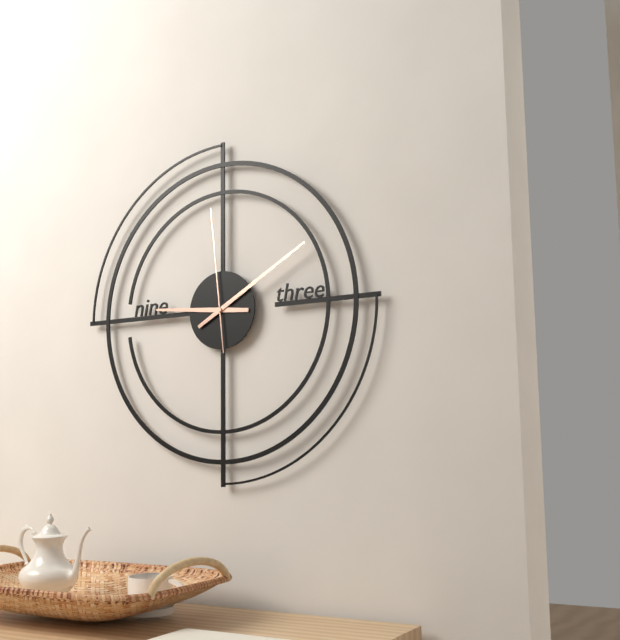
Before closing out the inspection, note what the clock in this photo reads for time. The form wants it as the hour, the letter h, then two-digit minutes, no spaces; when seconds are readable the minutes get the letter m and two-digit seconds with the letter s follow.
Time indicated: 9h10m59s
